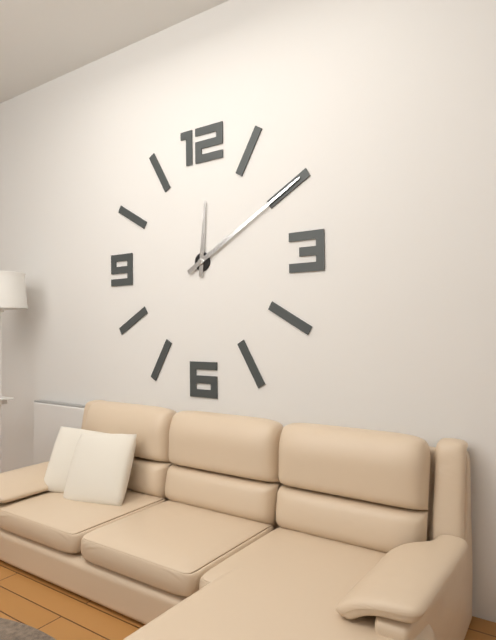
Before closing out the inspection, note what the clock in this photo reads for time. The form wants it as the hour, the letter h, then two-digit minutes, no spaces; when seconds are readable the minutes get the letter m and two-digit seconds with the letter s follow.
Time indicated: 12h10
